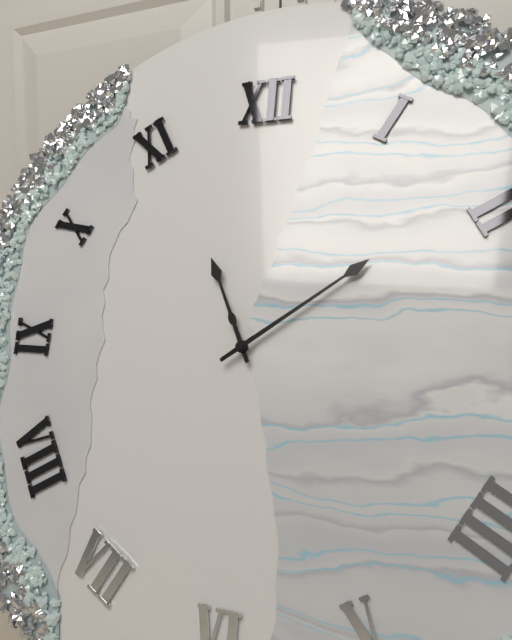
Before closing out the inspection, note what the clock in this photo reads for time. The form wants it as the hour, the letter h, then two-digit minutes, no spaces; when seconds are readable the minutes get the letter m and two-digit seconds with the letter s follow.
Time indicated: 11h09
